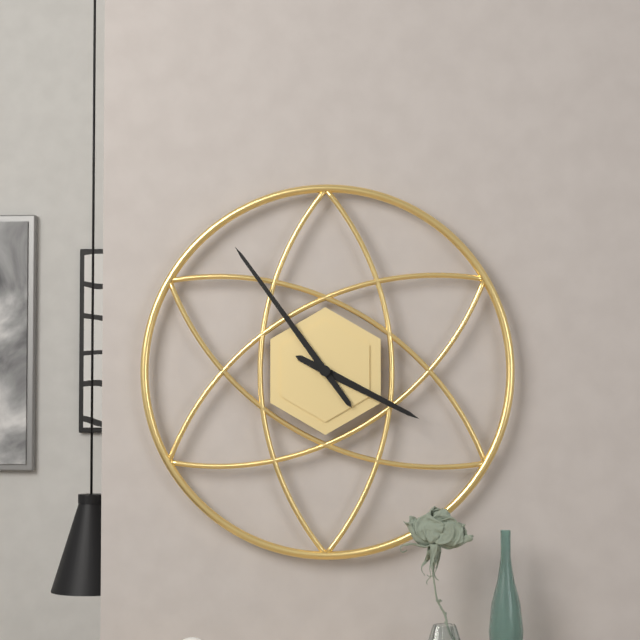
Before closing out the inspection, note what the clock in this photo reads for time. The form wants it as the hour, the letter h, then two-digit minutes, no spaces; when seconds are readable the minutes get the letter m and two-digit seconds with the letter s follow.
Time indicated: 3h54
